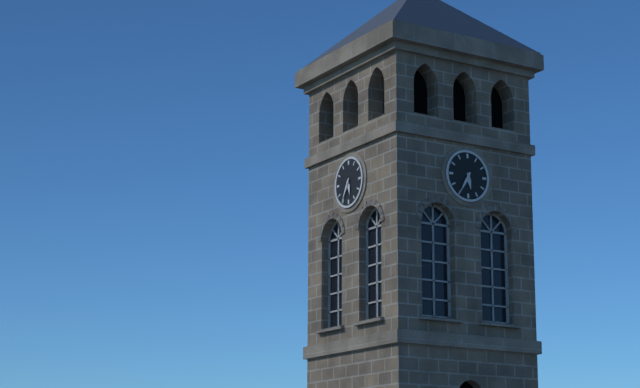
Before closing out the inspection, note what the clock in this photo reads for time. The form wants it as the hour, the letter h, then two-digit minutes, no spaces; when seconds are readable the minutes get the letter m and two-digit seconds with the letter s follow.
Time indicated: 5h35
